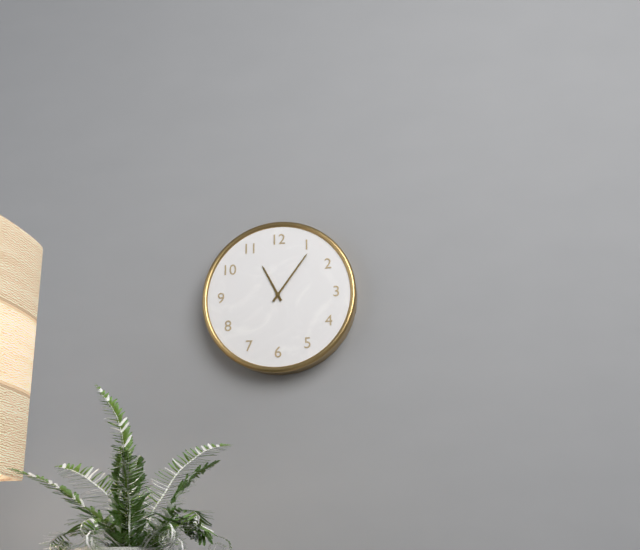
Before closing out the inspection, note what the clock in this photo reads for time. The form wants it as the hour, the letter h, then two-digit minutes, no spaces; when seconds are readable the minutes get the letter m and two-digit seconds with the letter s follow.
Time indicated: 11h06
